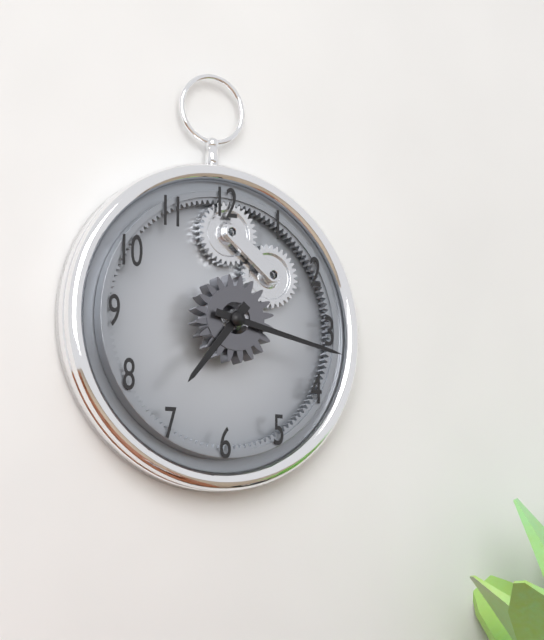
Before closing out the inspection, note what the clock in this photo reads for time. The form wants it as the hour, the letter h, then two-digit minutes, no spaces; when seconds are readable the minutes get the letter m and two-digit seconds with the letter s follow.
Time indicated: 7h17
